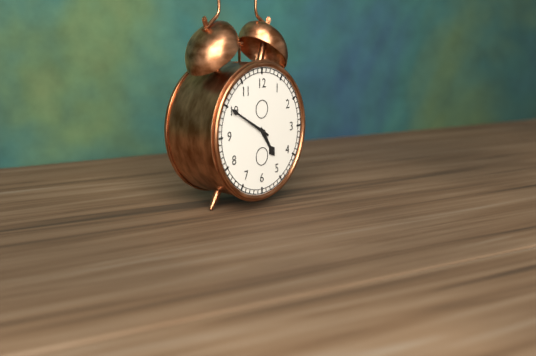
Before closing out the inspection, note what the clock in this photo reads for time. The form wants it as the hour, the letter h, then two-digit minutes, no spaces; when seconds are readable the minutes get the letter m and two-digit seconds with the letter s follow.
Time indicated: 4h50
